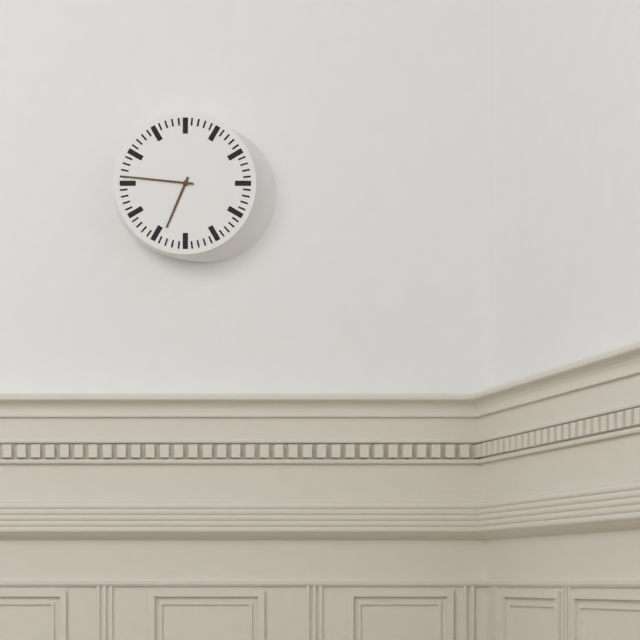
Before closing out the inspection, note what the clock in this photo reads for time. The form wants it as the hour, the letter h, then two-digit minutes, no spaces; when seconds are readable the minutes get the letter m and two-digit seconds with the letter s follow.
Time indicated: 6h46
